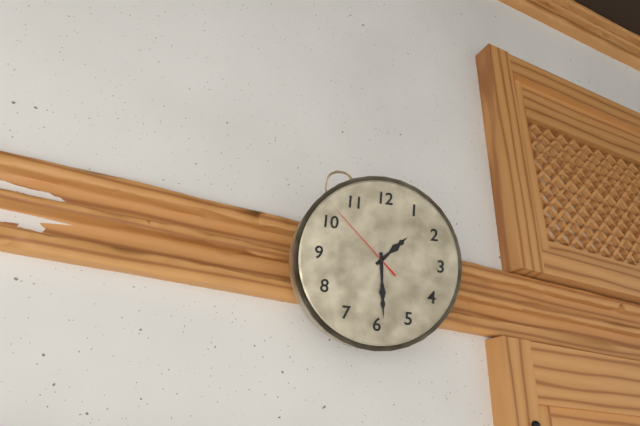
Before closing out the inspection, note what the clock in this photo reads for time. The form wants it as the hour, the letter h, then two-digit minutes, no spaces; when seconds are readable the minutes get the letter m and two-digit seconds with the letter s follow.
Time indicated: 1h29m52s
